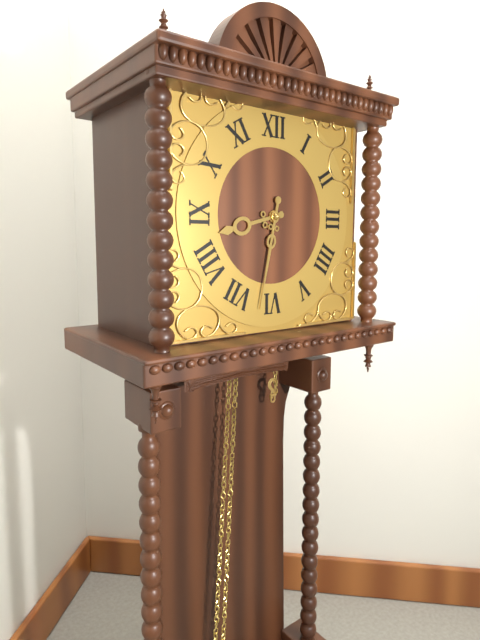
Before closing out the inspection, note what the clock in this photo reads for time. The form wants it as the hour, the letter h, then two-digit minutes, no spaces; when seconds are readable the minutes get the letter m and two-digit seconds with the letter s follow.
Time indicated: 8h32
